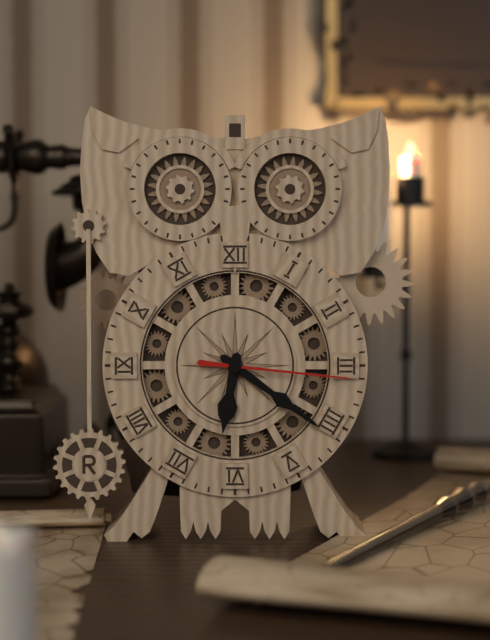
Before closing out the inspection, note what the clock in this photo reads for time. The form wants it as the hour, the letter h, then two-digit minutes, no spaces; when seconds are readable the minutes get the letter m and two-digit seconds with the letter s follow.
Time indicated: 6h21m16s
